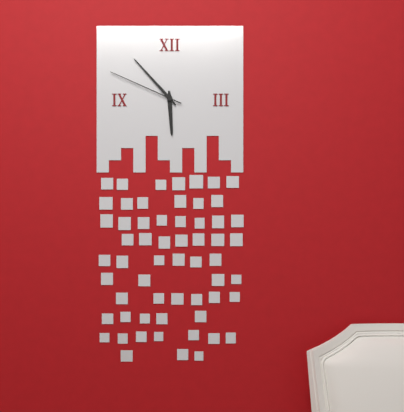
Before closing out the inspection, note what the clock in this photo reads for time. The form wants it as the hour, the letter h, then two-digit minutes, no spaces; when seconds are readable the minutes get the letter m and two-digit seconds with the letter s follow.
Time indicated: 5h53m49s
